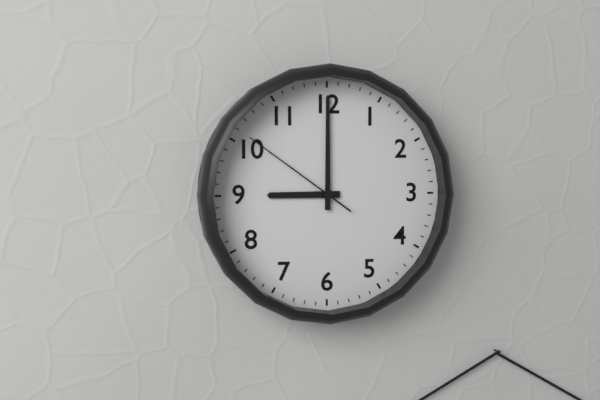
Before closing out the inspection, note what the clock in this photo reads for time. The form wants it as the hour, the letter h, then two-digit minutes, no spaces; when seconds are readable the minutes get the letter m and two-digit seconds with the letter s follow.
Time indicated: 9h00m51s
